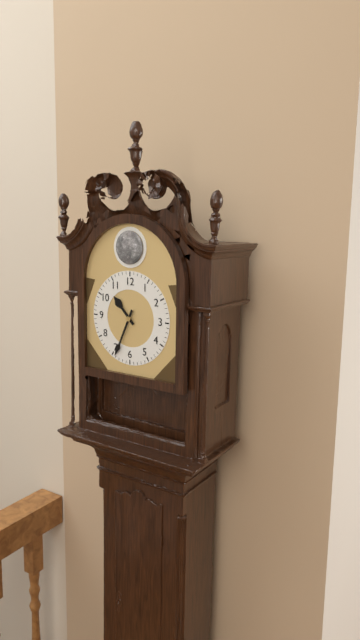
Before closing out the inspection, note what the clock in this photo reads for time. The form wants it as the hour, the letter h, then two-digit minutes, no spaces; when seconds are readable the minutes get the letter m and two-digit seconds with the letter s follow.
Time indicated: 10h34
